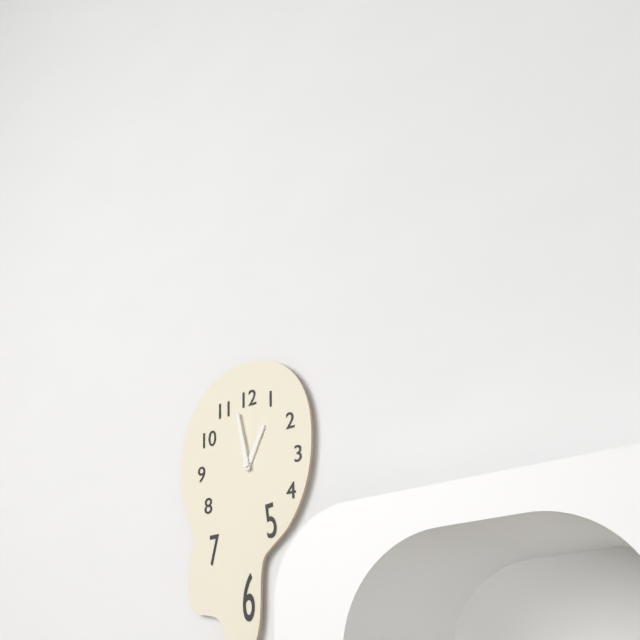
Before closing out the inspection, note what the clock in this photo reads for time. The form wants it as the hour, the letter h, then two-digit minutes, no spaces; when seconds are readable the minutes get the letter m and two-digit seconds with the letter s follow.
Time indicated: 12h58
